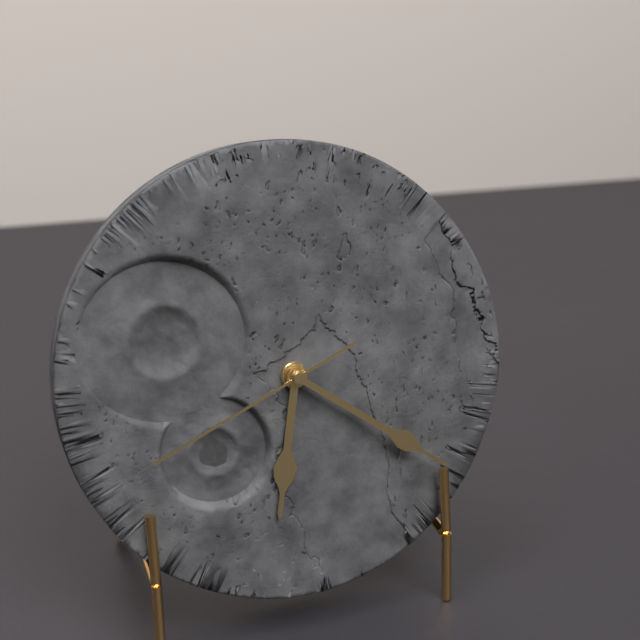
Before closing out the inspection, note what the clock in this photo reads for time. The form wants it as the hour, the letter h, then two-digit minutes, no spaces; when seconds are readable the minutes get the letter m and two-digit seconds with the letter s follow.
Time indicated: 6h21m41s
